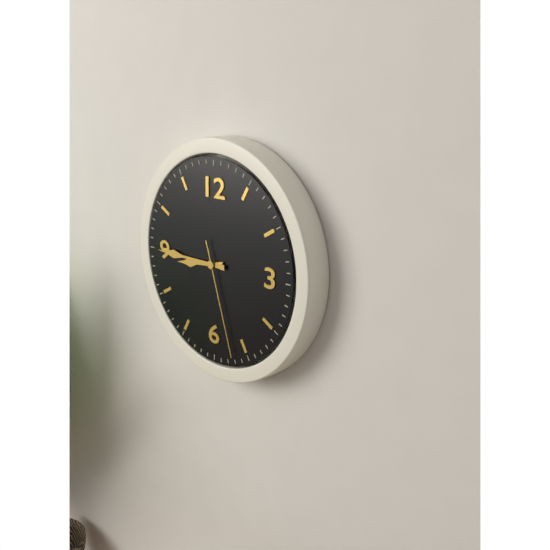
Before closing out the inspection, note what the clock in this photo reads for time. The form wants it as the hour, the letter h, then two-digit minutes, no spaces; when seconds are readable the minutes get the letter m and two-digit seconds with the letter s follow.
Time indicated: 8h45m27s
